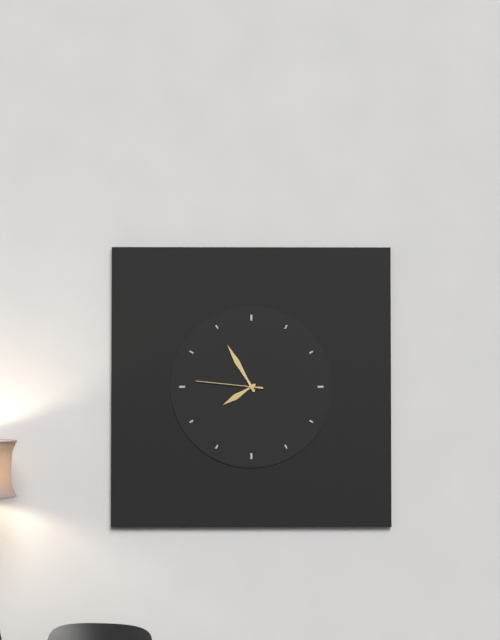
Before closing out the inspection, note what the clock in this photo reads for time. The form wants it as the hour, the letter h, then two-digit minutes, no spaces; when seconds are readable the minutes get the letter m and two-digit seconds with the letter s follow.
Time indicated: 7h55m46s
